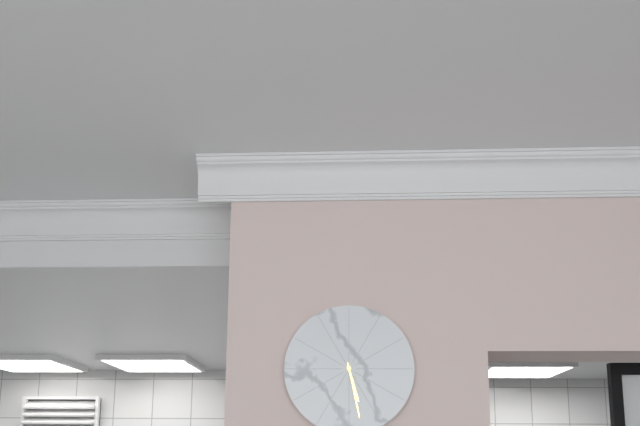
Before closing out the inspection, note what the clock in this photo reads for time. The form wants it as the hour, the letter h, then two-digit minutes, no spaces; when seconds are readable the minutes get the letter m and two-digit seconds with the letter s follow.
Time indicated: 5h28
